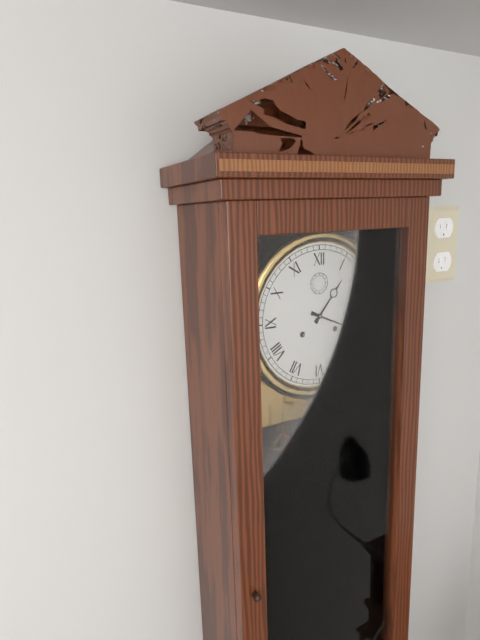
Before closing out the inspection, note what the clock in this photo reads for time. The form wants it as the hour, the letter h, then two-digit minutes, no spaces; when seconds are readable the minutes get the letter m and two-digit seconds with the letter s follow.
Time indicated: 1h19
